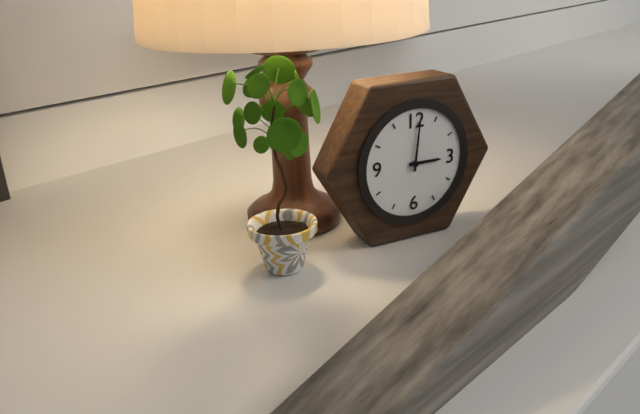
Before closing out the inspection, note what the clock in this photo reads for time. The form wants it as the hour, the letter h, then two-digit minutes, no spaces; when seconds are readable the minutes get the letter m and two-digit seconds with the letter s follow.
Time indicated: 3h01
